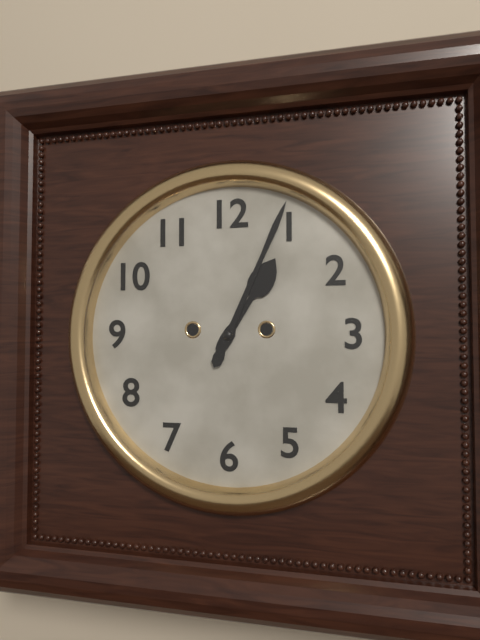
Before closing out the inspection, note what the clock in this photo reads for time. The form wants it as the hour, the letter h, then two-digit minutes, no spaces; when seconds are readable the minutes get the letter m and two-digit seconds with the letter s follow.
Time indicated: 1h04
